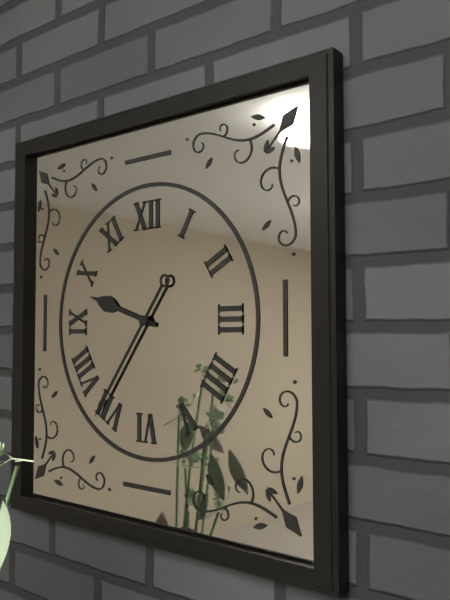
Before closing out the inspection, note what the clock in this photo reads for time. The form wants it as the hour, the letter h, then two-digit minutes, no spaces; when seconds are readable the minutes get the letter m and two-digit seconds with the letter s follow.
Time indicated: 9h36
